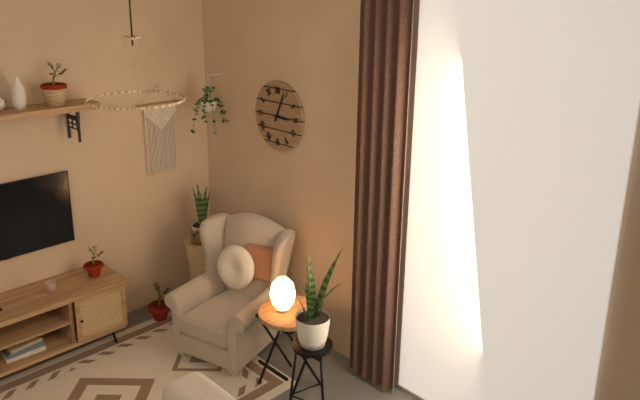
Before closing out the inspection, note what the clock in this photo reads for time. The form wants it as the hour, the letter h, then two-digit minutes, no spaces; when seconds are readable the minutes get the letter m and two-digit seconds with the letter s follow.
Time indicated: 3h04
